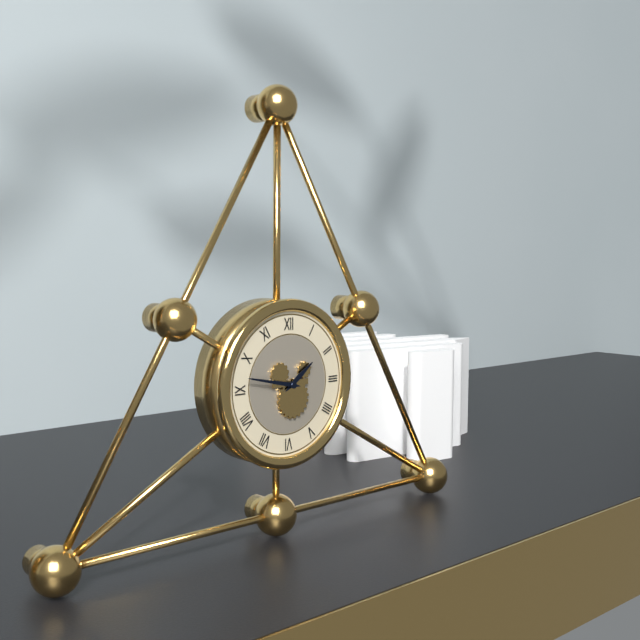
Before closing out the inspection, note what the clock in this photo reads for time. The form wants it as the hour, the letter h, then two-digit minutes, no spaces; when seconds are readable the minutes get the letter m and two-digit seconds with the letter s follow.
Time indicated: 1h47
